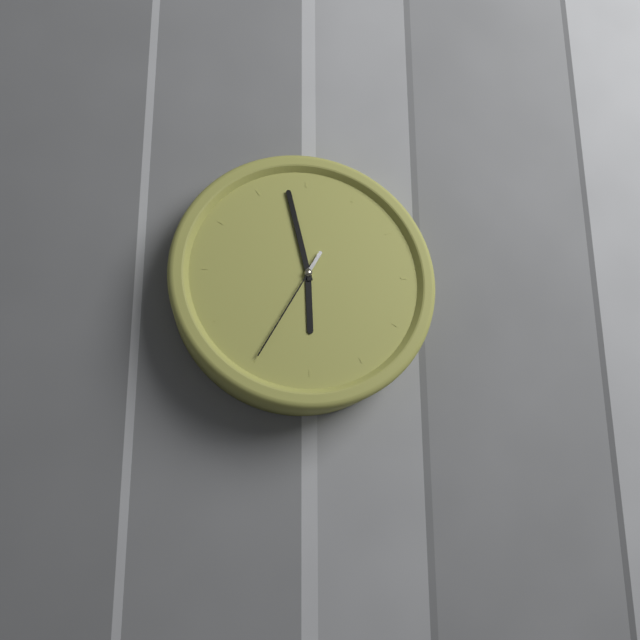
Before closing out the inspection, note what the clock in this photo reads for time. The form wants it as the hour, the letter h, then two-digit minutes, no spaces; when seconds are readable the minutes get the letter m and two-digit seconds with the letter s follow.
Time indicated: 5h58m35s
